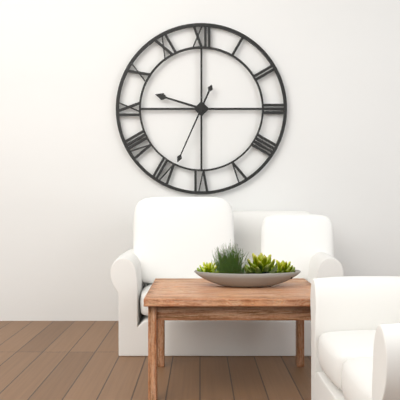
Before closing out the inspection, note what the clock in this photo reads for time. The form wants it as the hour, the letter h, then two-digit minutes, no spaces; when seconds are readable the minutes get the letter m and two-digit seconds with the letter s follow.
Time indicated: 9h34
